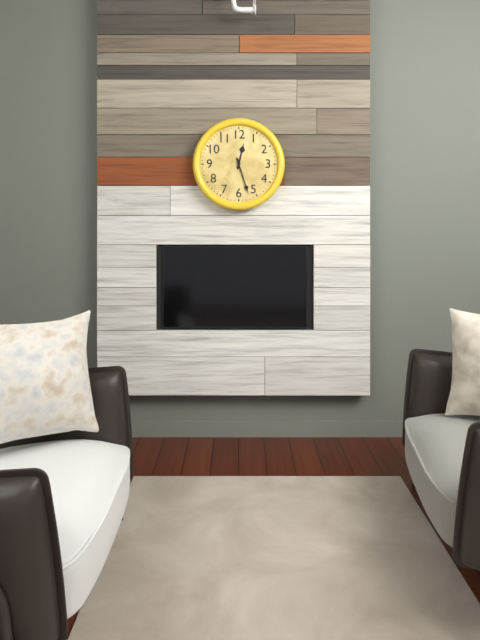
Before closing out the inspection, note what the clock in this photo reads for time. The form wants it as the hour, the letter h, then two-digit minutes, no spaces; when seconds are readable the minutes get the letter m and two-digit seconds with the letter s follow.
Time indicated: 12h27
